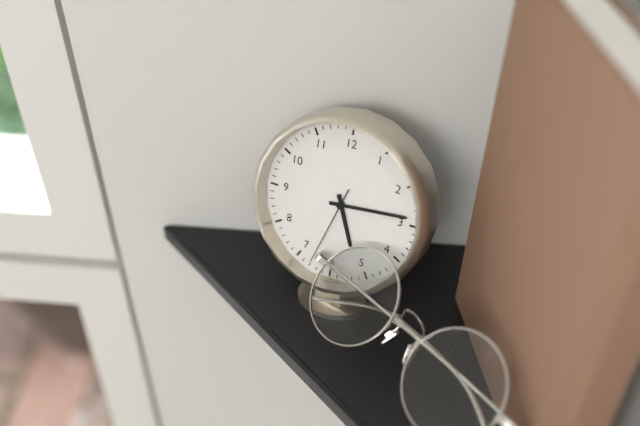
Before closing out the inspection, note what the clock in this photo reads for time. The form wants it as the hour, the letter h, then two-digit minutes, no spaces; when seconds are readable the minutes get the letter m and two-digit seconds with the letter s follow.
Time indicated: 5h14m33s
